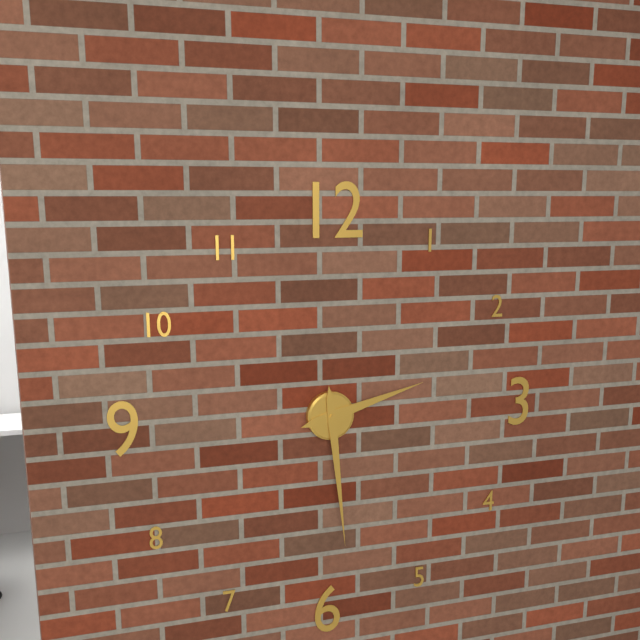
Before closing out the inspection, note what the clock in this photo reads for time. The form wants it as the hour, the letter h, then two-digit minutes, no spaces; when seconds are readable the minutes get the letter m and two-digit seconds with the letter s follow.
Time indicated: 2h29
